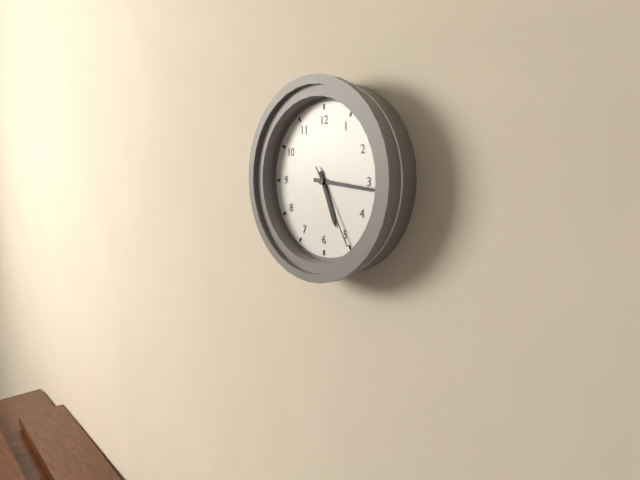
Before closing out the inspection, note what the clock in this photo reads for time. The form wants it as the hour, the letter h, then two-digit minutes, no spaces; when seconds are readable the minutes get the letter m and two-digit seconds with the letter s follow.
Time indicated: 5h16m25s
